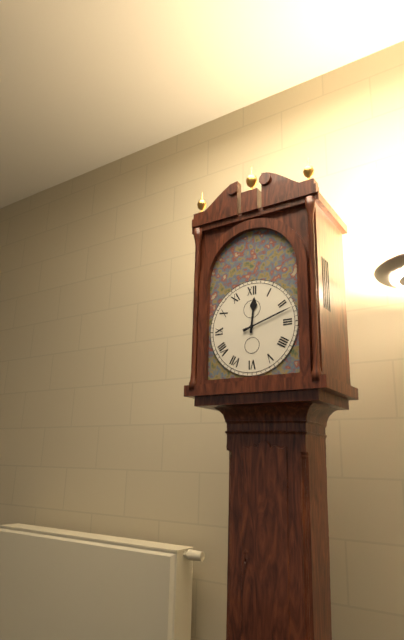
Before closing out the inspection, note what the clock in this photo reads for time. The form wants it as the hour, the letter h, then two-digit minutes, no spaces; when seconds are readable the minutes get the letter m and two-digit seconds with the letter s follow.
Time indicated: 12h12
